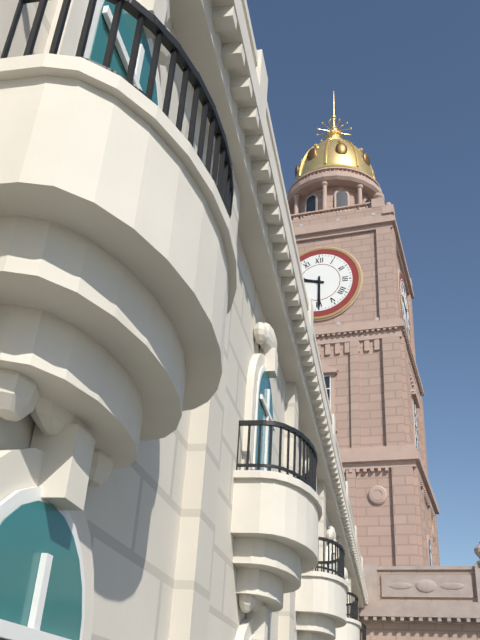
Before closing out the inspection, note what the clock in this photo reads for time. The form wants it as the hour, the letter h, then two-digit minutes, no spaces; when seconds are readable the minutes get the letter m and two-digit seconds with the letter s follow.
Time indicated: 9h30
